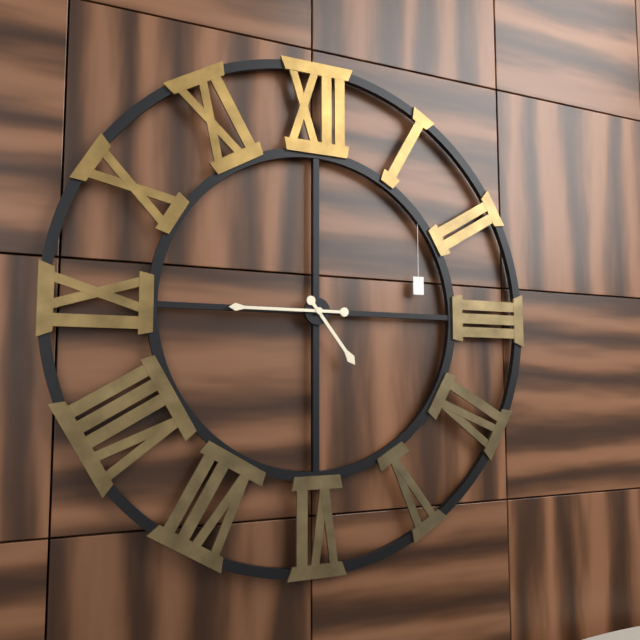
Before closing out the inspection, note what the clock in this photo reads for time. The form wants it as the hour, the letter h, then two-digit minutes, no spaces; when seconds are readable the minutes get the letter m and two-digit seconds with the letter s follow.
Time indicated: 4h45
